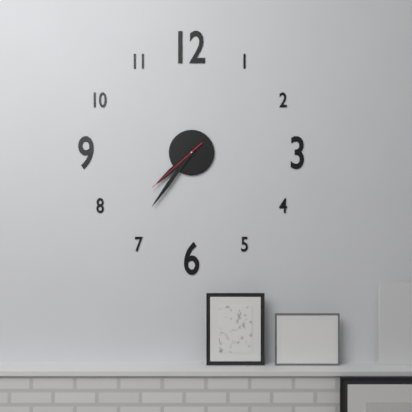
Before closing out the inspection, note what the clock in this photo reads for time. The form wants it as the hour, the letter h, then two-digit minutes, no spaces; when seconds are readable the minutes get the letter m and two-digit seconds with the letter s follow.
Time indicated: 7h36m38s
